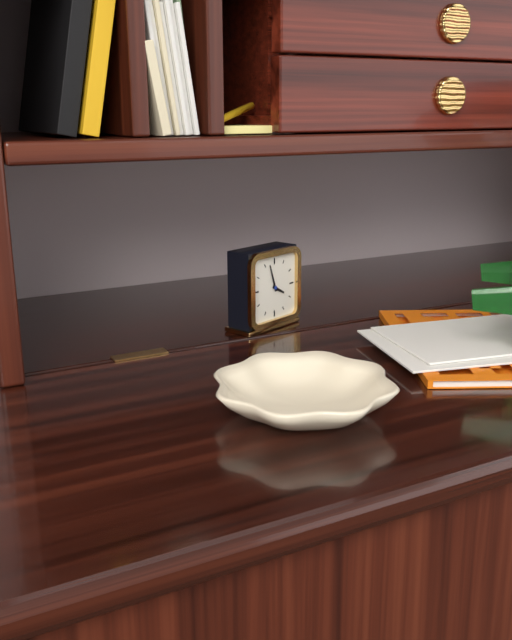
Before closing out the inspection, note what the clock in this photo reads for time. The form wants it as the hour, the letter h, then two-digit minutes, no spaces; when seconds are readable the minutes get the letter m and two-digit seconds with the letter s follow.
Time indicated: 3h57
